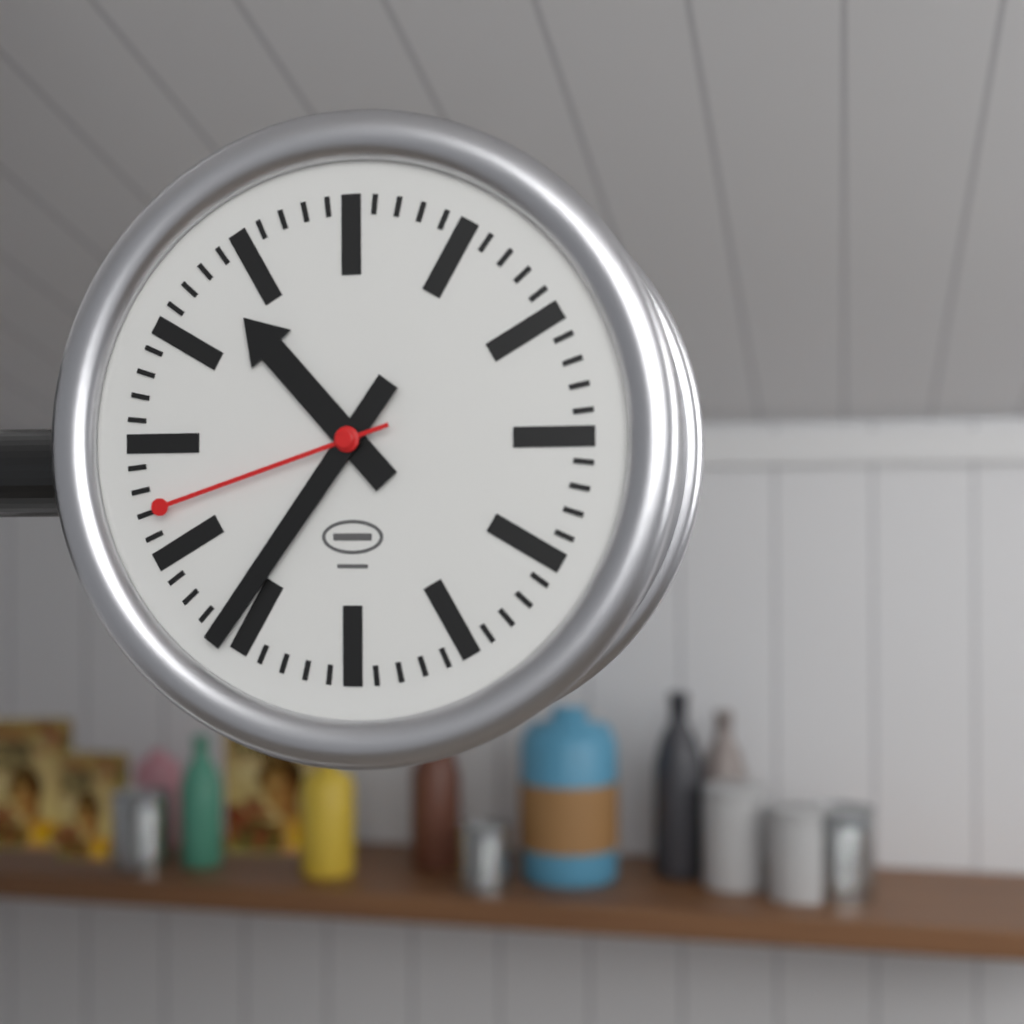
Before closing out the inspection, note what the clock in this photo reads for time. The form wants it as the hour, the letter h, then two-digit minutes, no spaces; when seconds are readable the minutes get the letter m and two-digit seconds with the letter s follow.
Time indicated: 10h36m42s
